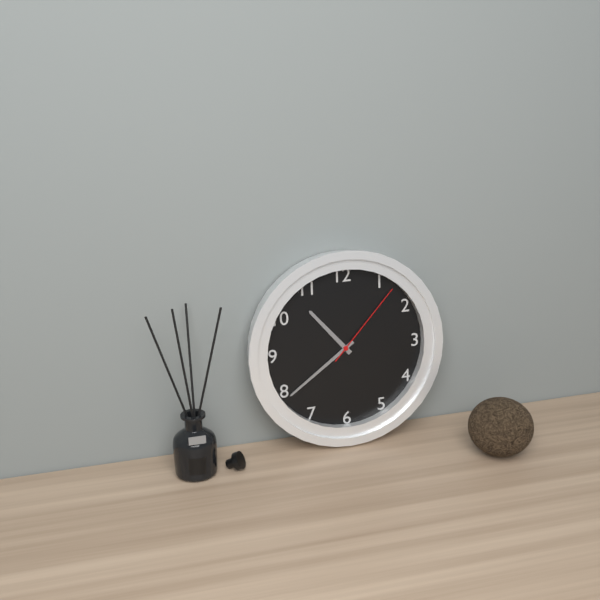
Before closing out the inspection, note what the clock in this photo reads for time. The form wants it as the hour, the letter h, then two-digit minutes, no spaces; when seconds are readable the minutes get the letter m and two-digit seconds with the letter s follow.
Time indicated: 10h39m07s
